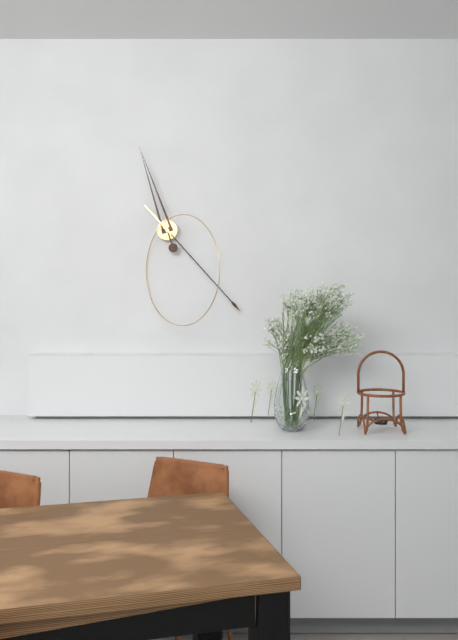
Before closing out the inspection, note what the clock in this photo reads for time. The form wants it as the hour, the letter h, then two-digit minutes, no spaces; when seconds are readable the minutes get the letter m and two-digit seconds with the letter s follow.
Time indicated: 11h23
